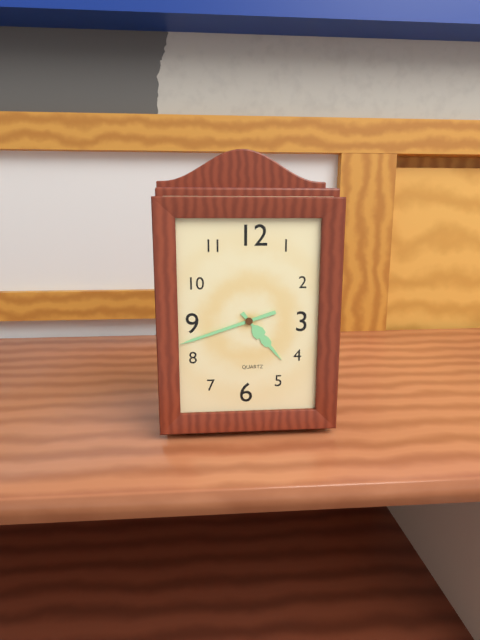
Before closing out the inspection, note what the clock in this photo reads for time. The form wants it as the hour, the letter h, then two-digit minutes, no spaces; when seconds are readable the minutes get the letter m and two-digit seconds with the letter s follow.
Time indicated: 4h42
